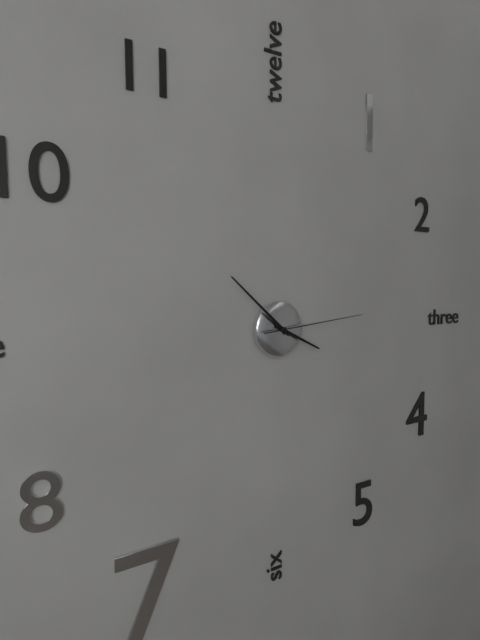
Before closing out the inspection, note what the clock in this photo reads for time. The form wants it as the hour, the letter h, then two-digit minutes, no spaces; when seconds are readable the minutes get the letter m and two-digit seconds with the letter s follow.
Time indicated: 3h52m14s
